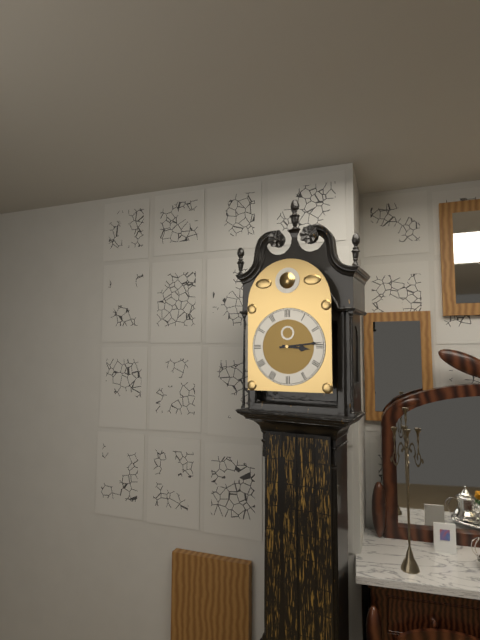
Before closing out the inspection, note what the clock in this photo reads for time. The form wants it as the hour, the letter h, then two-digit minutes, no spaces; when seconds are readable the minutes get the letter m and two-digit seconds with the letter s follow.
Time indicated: 3h14
